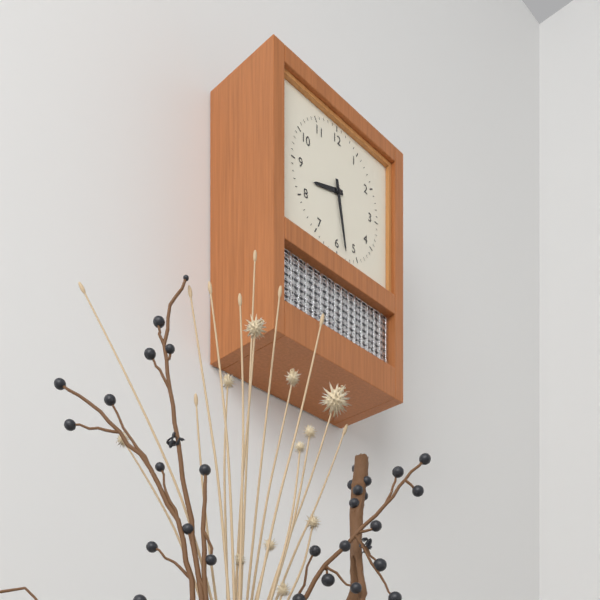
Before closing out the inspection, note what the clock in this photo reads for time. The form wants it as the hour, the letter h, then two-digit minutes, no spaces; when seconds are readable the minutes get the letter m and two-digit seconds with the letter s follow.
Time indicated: 8h28
